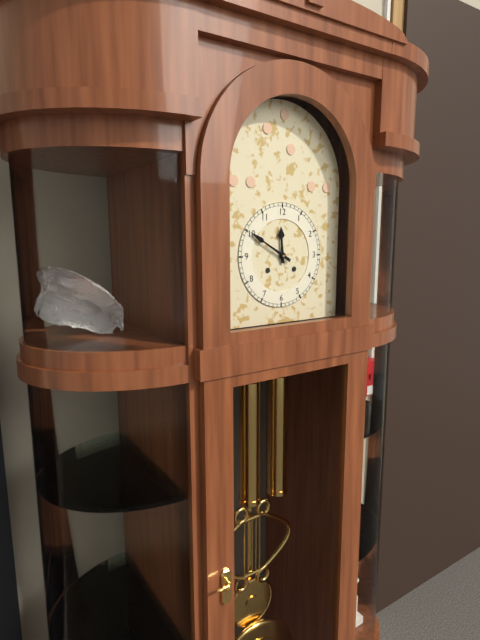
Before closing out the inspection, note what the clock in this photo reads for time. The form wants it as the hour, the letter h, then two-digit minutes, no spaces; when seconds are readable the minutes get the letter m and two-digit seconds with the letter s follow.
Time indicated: 11h50
